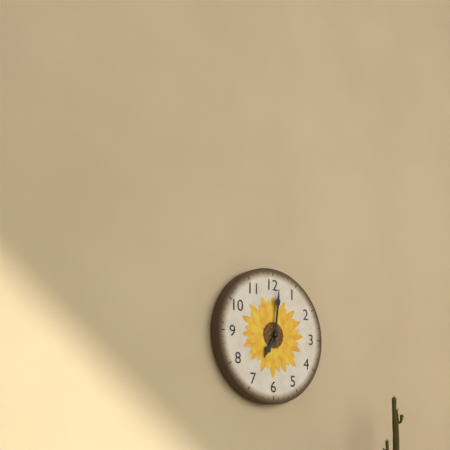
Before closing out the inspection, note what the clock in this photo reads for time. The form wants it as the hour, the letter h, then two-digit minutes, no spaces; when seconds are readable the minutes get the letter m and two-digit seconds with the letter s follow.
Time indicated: 7h01
